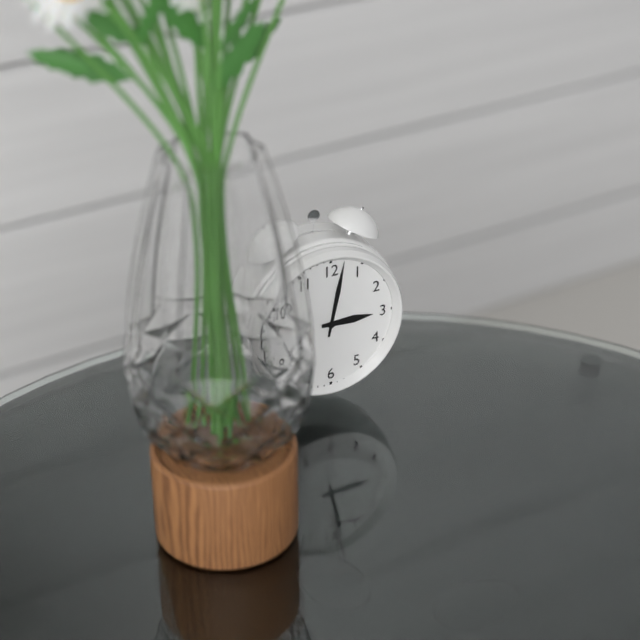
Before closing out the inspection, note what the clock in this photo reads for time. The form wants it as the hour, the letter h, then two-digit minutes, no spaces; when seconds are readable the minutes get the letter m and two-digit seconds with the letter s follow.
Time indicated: 3h02
